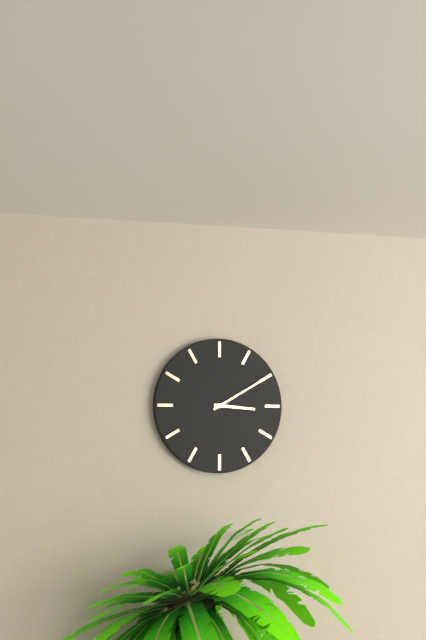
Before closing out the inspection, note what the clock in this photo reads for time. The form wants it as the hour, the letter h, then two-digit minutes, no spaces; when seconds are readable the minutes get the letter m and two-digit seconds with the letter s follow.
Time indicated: 3h10
